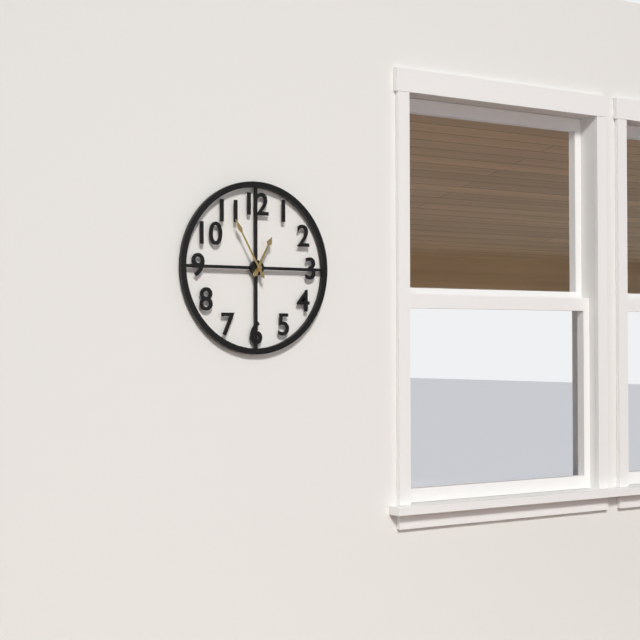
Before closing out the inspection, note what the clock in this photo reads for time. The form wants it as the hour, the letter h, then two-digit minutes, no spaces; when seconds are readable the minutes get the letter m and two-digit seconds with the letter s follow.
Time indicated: 12h55
